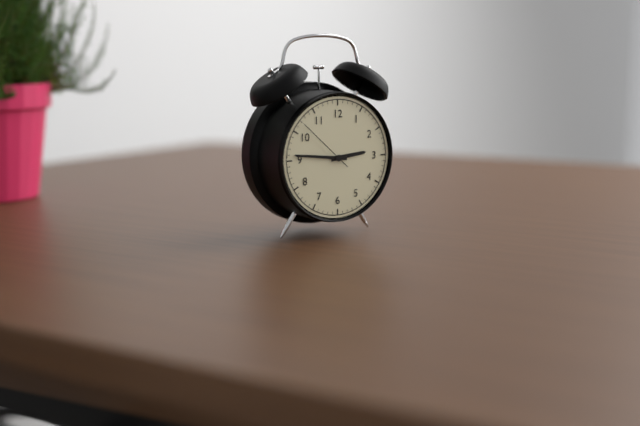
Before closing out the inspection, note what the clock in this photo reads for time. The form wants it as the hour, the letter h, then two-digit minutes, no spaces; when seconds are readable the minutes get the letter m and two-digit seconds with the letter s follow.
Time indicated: 2h46m52s
